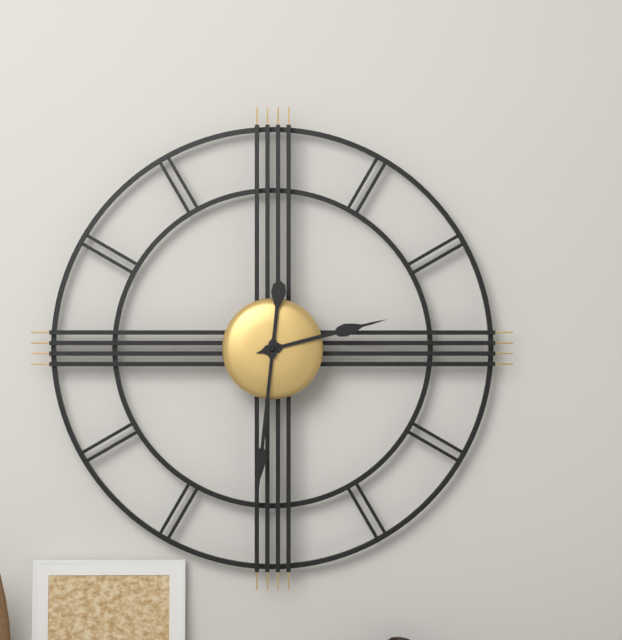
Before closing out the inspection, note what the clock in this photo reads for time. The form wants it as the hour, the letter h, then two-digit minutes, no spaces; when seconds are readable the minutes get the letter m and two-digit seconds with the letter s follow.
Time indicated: 2h31
